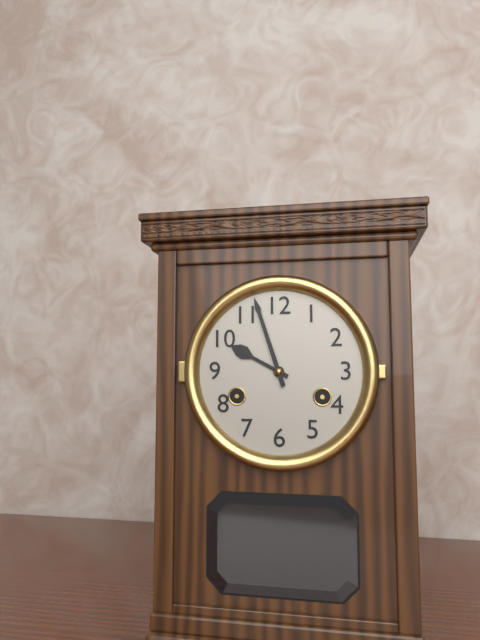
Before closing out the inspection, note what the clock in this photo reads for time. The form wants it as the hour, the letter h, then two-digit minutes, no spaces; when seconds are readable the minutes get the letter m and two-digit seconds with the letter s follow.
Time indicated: 9h57
